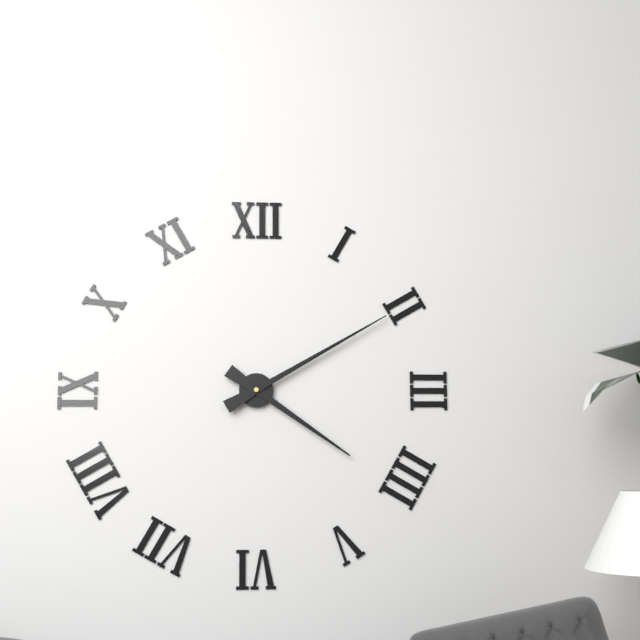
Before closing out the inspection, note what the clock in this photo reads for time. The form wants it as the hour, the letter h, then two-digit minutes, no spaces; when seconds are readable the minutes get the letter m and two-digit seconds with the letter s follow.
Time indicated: 4h10
